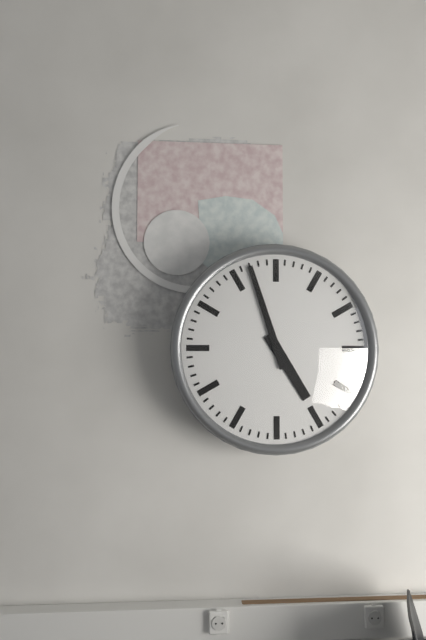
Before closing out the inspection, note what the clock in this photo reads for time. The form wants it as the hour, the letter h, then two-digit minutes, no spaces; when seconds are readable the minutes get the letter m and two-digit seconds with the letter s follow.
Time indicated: 4h57
